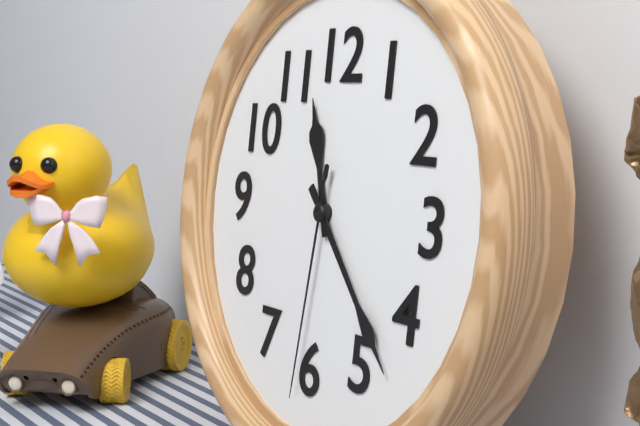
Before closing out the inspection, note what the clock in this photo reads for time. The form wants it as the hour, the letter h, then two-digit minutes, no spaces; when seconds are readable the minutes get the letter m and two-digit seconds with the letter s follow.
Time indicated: 11h23m31s
